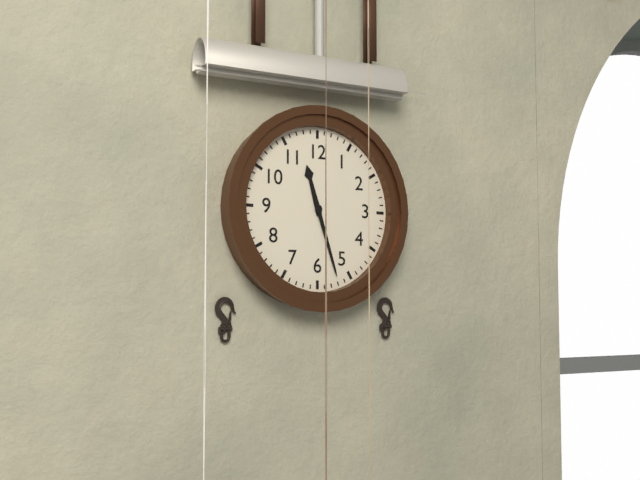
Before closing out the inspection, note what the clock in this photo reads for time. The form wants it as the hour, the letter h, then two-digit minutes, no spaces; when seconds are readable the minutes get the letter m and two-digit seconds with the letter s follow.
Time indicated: 11h27
